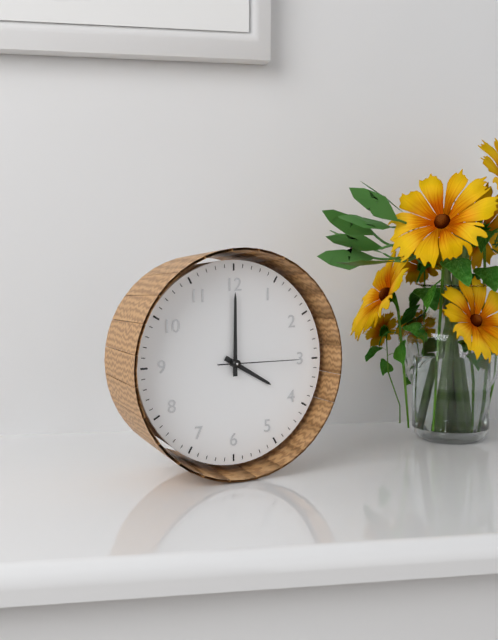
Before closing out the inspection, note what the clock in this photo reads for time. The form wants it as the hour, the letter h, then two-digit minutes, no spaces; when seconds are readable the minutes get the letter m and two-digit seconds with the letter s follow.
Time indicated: 4h00m15s
